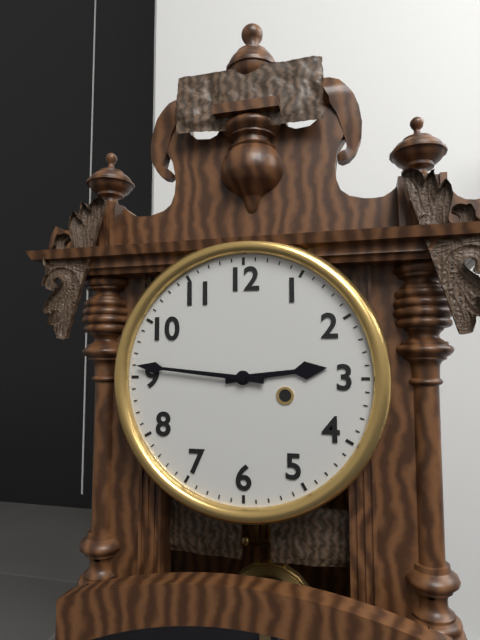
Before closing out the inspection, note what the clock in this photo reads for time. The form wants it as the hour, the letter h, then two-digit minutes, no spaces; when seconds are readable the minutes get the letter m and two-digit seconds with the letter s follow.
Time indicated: 2h46
